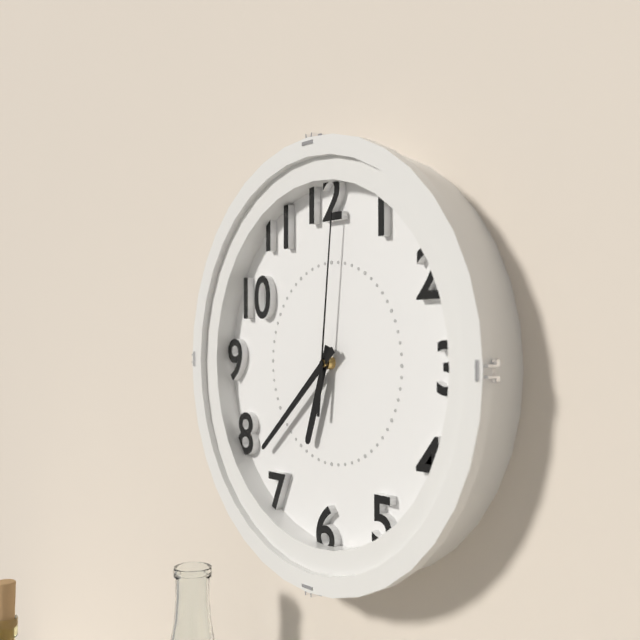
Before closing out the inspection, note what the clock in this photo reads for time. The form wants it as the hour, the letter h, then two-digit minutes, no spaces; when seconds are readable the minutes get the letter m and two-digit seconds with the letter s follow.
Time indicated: 6h38m01s
